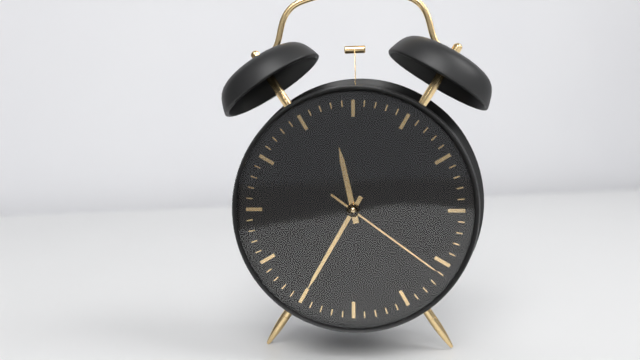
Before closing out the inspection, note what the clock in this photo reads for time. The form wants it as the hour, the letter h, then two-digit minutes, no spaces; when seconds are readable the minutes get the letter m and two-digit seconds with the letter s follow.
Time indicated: 11h35m21s
